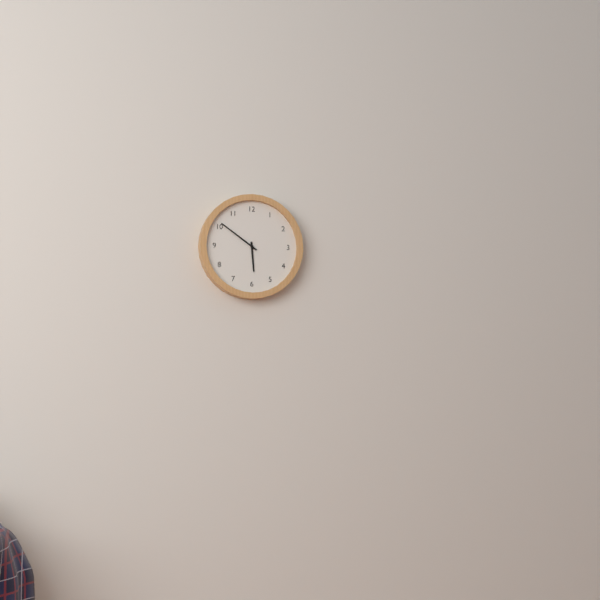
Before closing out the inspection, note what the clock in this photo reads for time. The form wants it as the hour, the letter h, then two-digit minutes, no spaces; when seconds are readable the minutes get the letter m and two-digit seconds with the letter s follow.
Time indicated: 5h51
